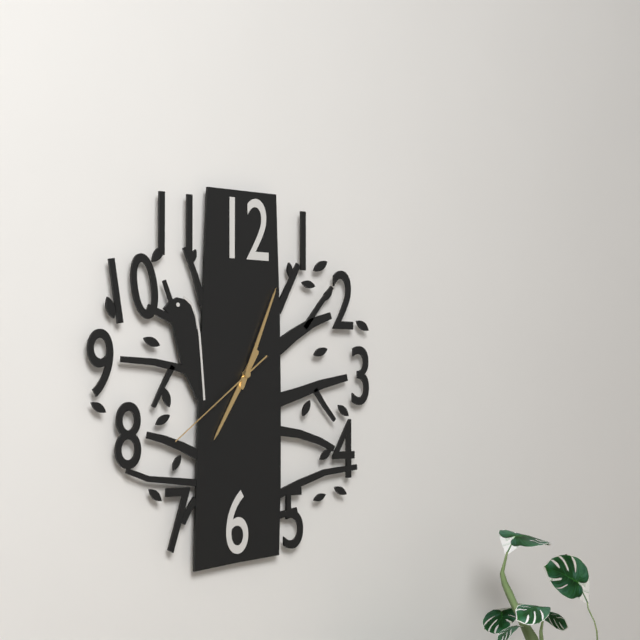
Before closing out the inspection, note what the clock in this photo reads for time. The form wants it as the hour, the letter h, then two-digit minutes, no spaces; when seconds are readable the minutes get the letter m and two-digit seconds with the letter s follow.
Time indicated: 7h04m39s
